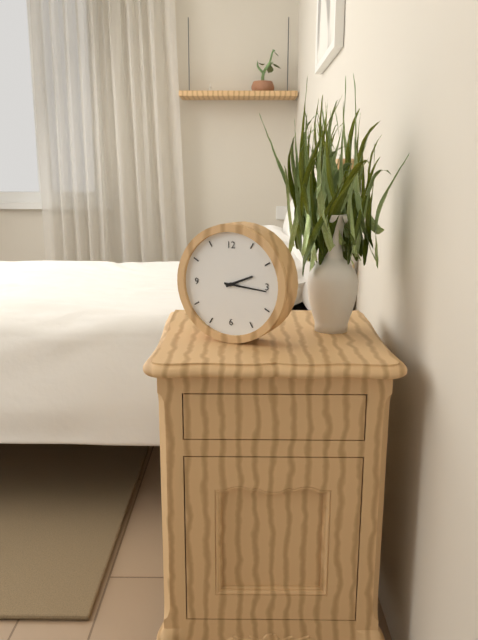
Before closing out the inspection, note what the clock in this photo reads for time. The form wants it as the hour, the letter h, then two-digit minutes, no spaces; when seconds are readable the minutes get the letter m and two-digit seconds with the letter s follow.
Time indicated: 2h16
